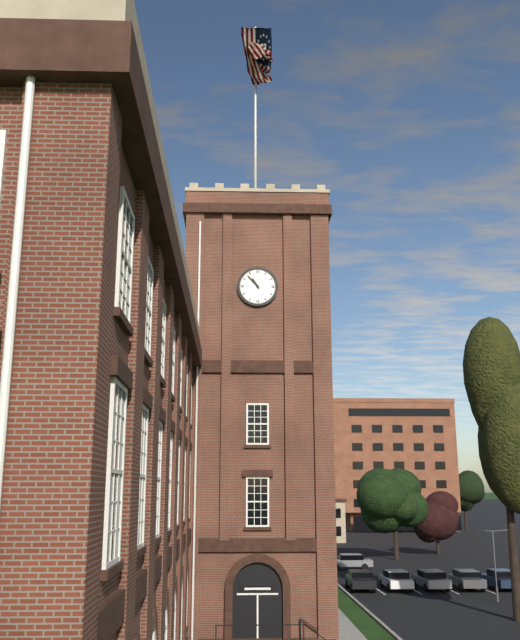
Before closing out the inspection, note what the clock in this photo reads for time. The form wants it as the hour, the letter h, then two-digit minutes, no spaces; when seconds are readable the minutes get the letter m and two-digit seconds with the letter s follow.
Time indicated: 10h53
